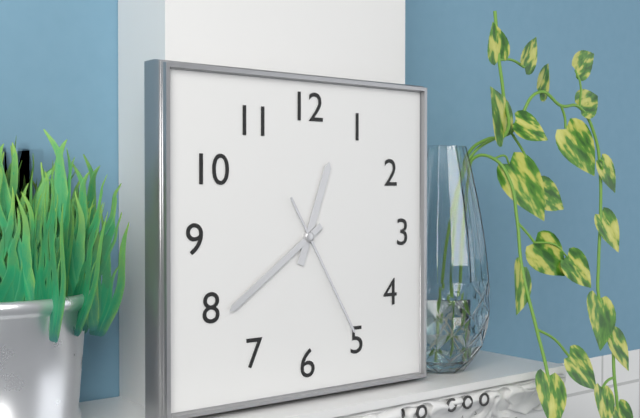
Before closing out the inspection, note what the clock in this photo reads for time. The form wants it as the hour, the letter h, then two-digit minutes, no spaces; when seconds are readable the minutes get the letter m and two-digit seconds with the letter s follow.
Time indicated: 12h39m25s
